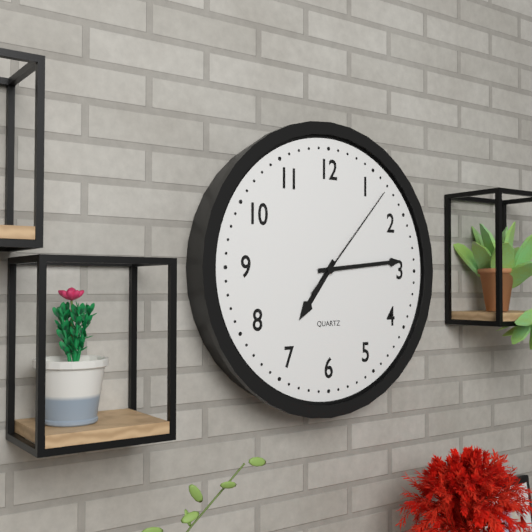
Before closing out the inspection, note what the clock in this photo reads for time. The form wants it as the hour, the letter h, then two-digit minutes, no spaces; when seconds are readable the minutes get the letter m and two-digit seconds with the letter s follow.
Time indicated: 7h14m07s
